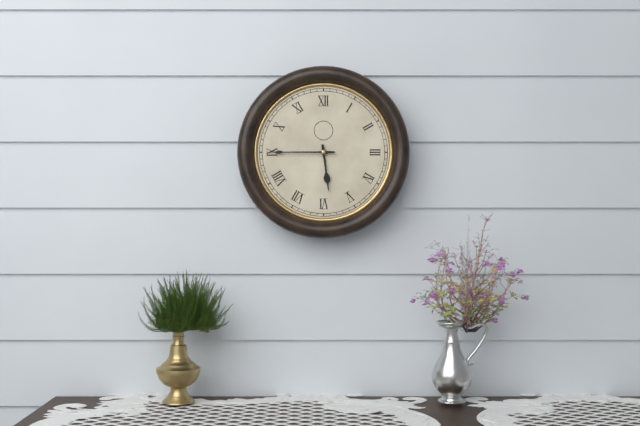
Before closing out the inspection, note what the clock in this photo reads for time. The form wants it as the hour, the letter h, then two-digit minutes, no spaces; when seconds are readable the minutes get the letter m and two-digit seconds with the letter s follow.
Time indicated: 5h45
